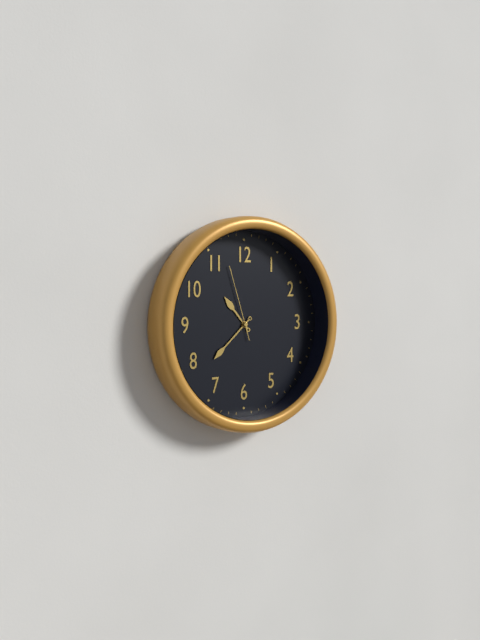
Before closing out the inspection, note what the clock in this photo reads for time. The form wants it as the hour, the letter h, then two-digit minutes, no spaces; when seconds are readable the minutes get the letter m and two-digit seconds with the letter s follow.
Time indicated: 10h38m57s
